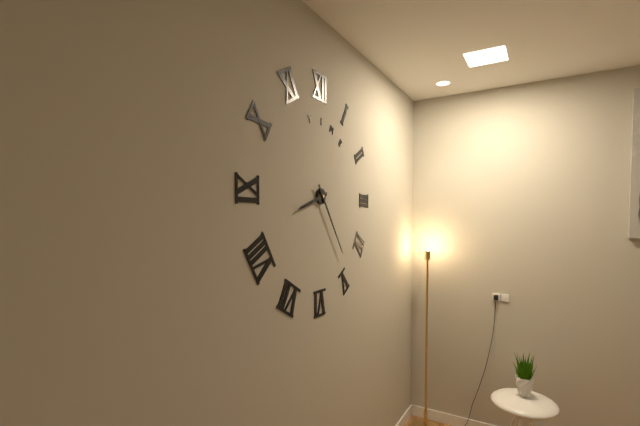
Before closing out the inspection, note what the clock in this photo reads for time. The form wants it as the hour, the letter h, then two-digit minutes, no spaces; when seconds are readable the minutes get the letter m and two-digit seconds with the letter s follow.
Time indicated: 8h24
